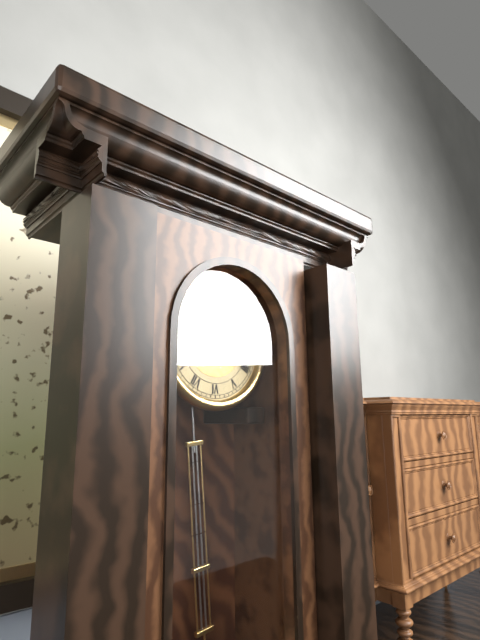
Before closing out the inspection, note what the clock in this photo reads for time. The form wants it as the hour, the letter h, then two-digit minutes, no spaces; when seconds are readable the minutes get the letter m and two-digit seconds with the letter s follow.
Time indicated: 1h20
